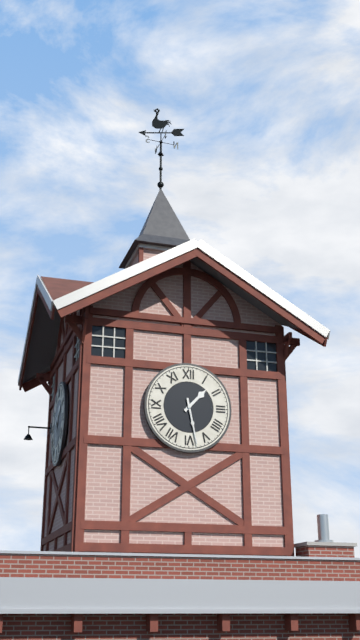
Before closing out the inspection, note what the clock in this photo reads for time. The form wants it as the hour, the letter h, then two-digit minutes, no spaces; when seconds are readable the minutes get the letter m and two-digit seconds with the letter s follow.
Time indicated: 1h28
